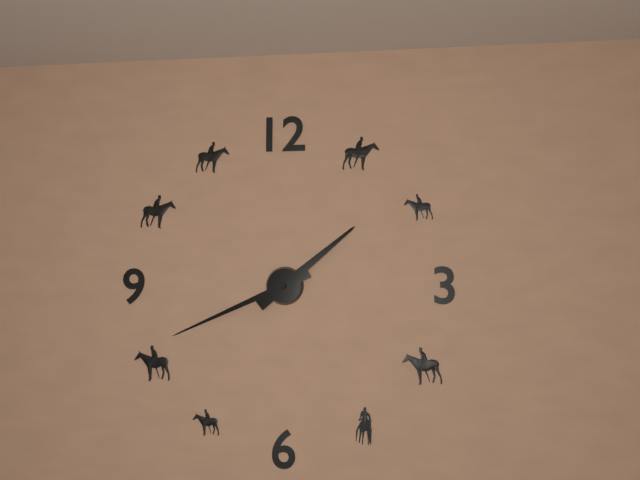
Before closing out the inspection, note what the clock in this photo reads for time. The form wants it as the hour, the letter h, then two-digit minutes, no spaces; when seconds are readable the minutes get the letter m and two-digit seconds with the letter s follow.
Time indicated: 1h41
